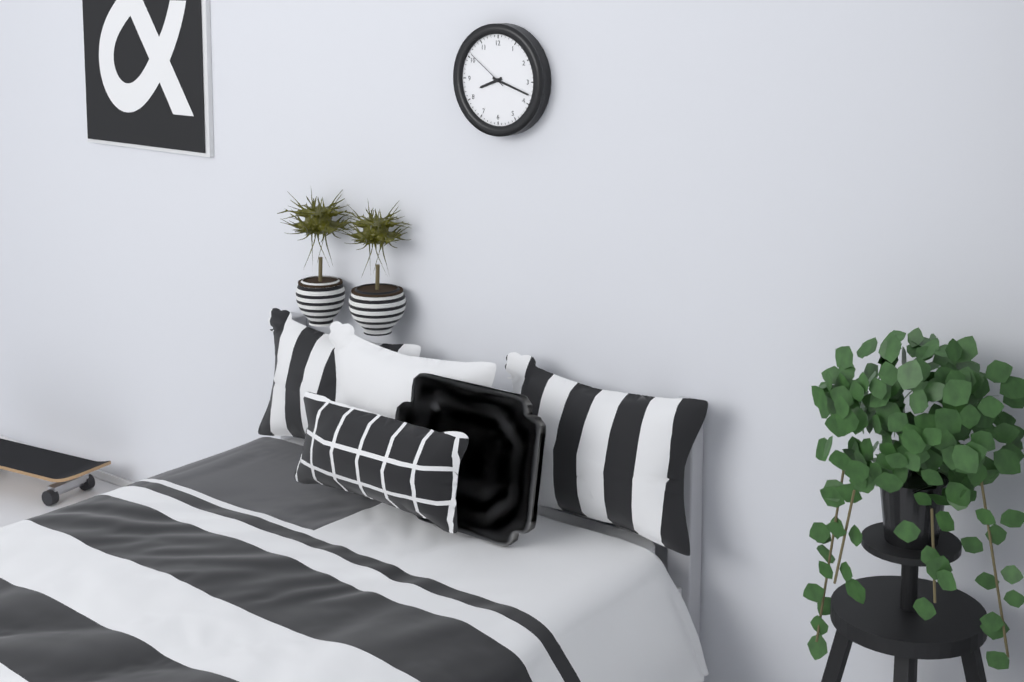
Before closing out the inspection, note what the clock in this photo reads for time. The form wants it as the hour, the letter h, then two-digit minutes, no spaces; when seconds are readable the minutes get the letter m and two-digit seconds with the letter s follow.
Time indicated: 8h18
